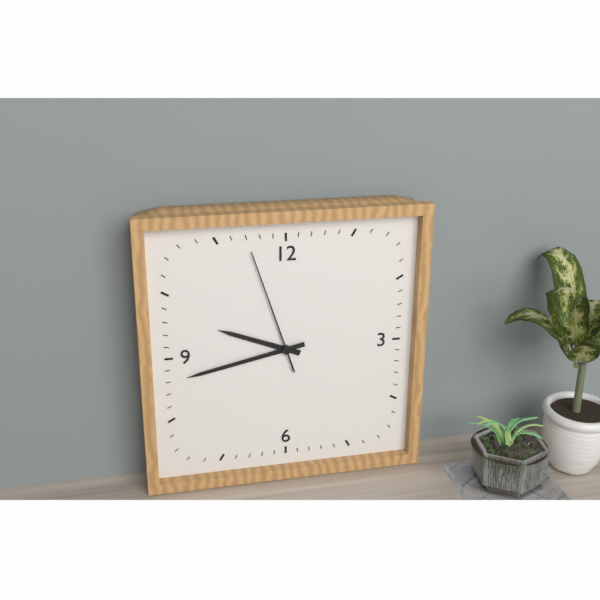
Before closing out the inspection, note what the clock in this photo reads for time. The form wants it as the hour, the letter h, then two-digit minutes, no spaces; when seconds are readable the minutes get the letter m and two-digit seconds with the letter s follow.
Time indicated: 9h43m57s
